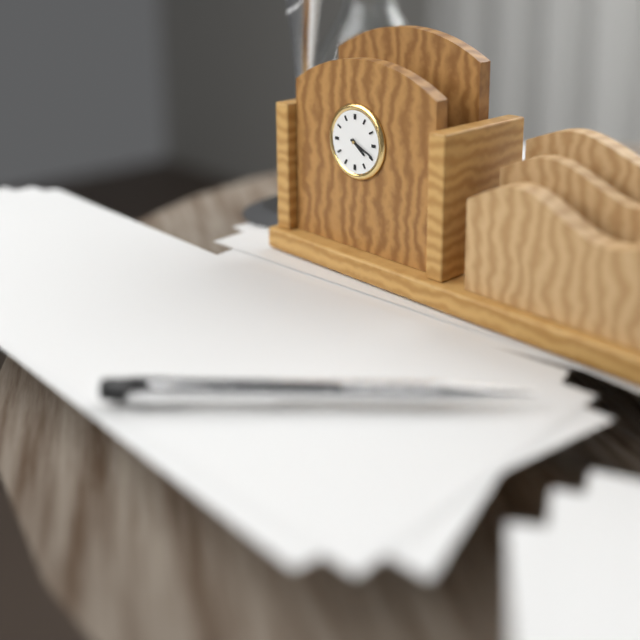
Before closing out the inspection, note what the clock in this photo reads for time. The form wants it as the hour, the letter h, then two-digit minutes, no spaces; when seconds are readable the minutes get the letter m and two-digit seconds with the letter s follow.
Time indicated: 4h19
